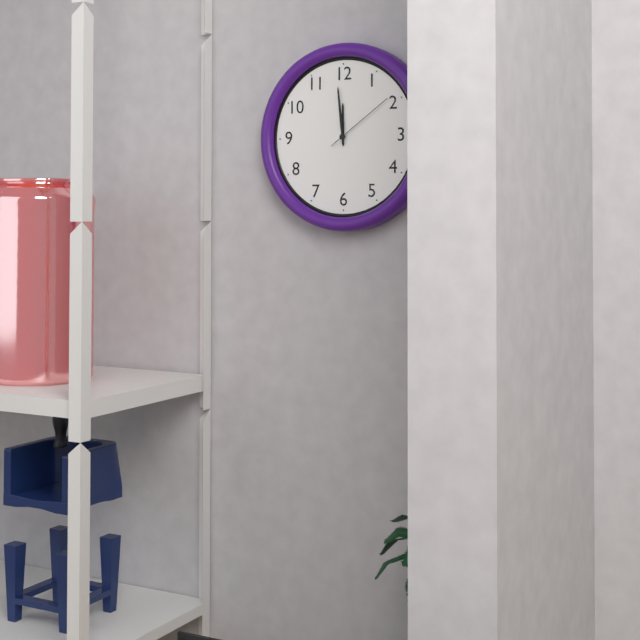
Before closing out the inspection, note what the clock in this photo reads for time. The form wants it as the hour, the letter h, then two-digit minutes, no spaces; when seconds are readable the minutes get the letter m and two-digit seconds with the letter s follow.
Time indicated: 11h59m09s
